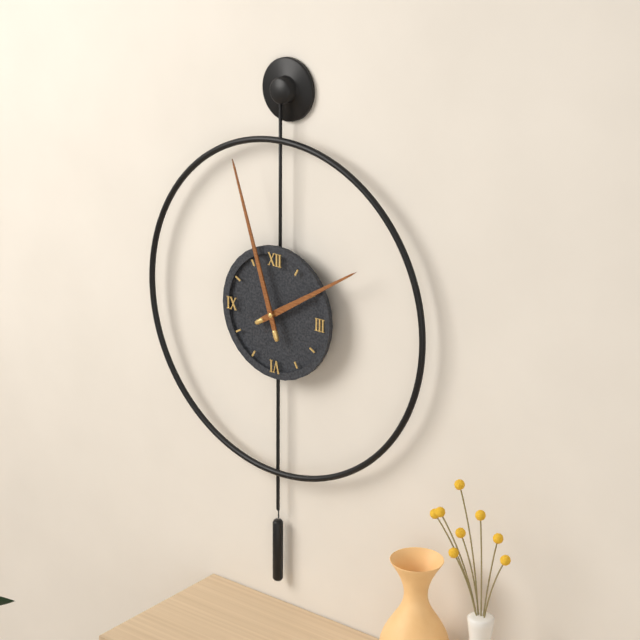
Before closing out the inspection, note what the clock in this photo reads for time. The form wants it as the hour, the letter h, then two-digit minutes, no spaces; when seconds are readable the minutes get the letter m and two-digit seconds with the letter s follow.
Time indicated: 1h57
